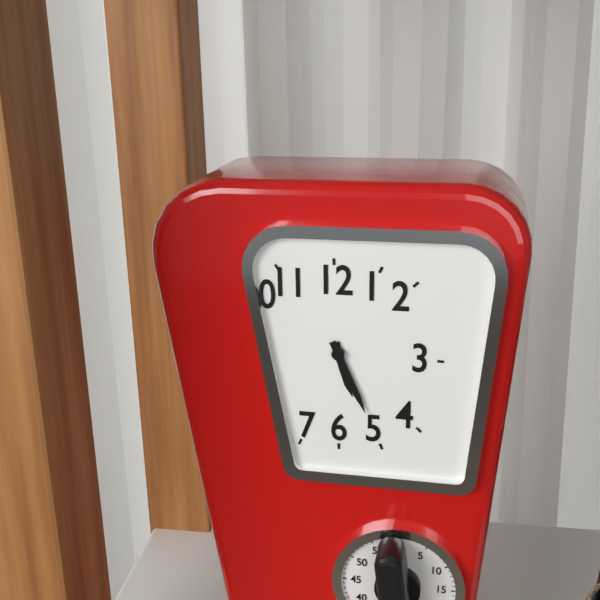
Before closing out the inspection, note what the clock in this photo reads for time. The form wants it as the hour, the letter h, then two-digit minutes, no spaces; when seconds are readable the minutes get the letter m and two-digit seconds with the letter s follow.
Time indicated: 5h26
